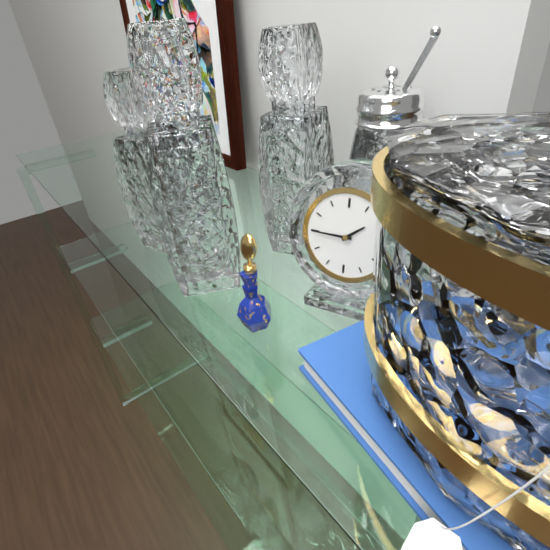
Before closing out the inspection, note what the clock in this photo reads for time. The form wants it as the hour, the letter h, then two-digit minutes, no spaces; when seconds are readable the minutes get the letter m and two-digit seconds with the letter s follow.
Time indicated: 1h45
